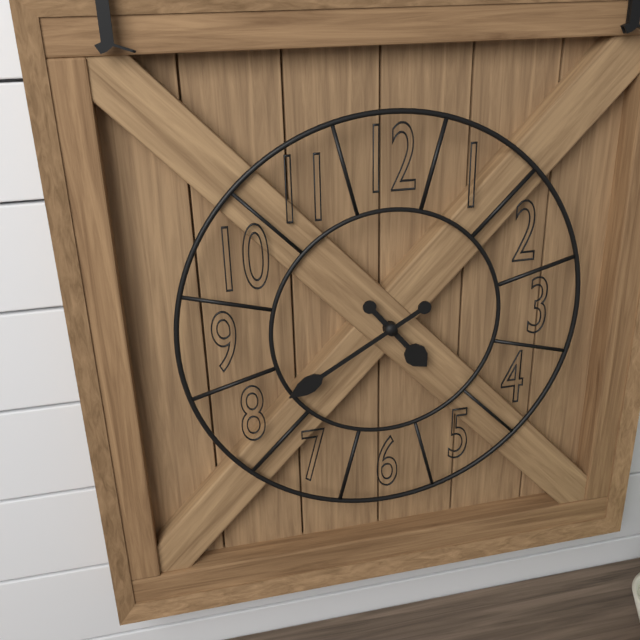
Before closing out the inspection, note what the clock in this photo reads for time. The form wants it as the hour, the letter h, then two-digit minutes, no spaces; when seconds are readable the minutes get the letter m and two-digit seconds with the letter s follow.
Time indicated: 4h40
